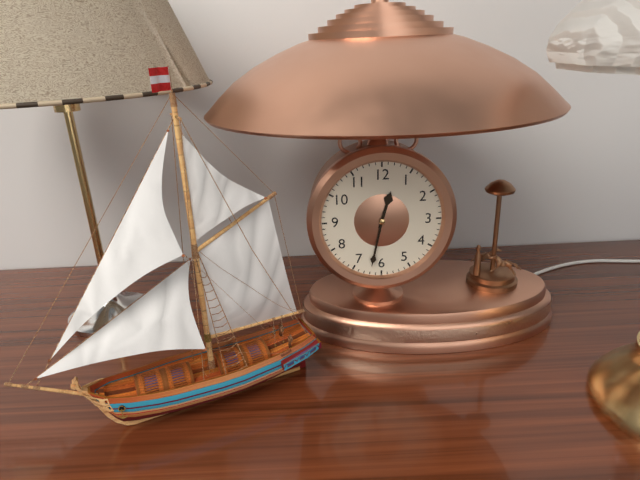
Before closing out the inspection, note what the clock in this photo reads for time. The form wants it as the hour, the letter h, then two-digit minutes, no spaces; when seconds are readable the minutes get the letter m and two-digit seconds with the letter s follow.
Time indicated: 12h32
